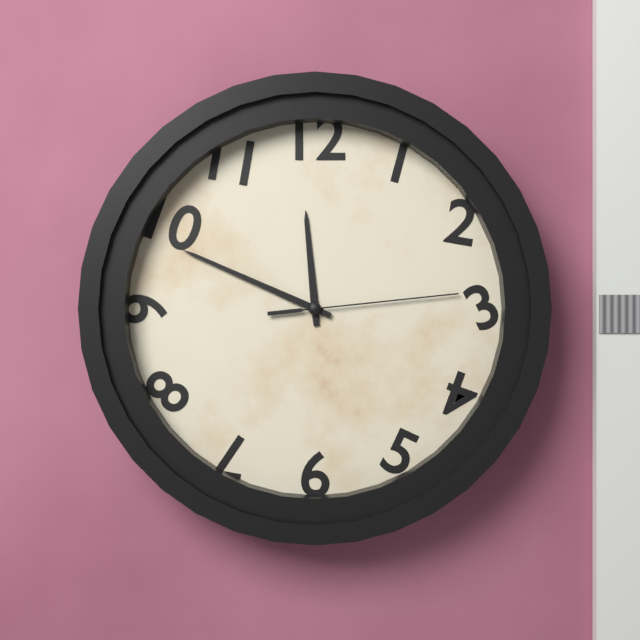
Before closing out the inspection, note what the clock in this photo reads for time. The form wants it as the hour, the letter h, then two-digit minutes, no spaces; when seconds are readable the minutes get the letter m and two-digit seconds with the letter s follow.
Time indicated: 11h49m14s
